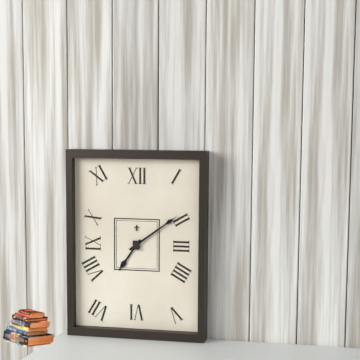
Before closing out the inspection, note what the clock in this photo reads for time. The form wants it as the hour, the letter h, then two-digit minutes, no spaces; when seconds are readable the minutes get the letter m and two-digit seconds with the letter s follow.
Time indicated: 7h09
